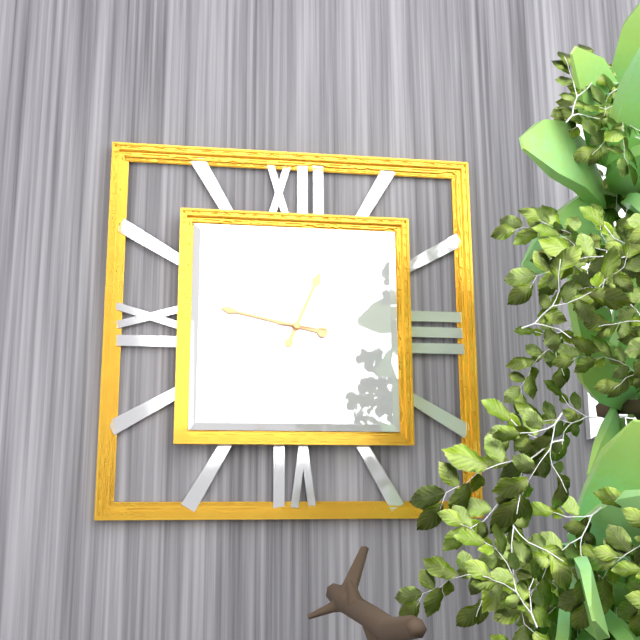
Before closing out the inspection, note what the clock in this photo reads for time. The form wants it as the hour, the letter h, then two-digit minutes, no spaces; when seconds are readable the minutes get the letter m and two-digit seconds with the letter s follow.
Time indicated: 12h47m16s
